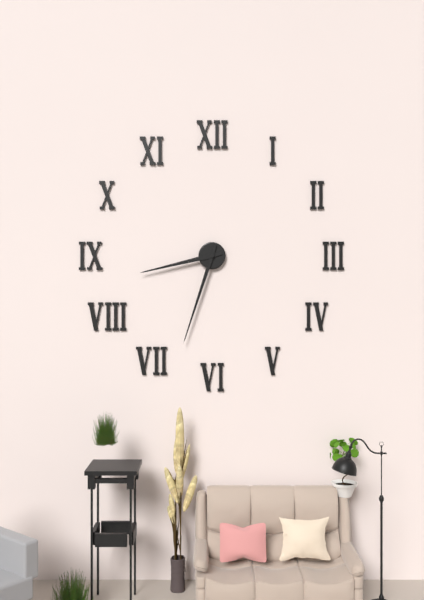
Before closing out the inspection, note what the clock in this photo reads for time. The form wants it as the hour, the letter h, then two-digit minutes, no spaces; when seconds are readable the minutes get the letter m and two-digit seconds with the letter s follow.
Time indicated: 8h33
